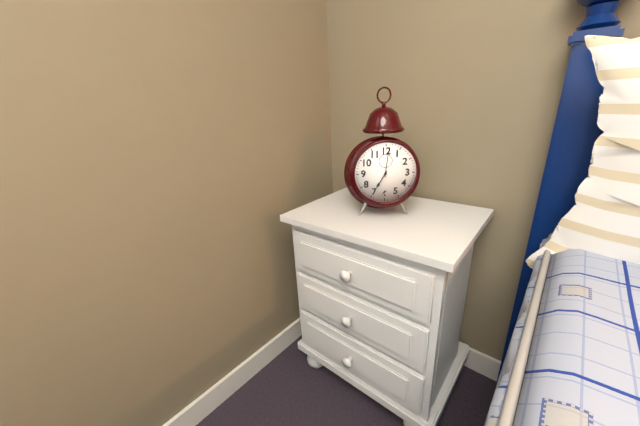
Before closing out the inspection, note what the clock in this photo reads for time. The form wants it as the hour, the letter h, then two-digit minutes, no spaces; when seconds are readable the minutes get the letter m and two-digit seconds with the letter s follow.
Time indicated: 7h01
